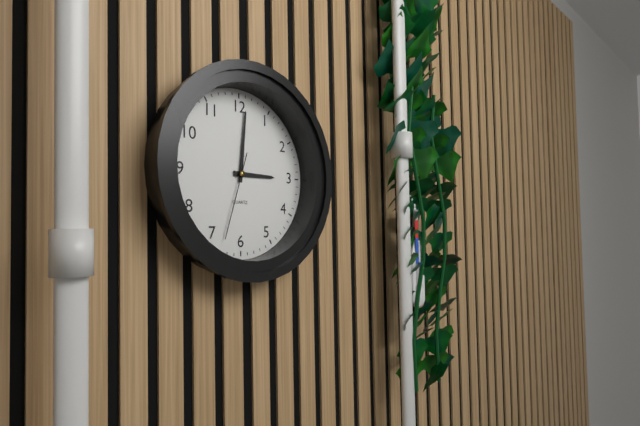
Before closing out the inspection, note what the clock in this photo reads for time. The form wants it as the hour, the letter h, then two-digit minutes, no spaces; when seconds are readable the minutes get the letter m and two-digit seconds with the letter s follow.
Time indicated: 3h01m33s
